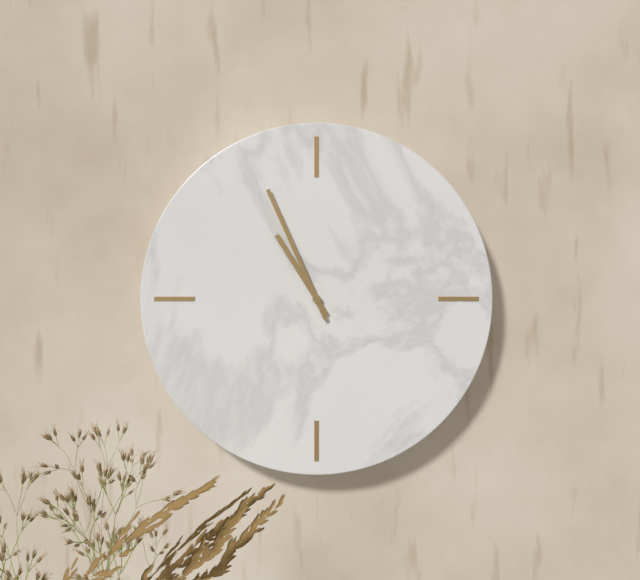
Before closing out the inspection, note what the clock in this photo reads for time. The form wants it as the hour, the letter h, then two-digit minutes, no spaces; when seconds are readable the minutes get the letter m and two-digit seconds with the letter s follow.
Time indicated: 10h56
